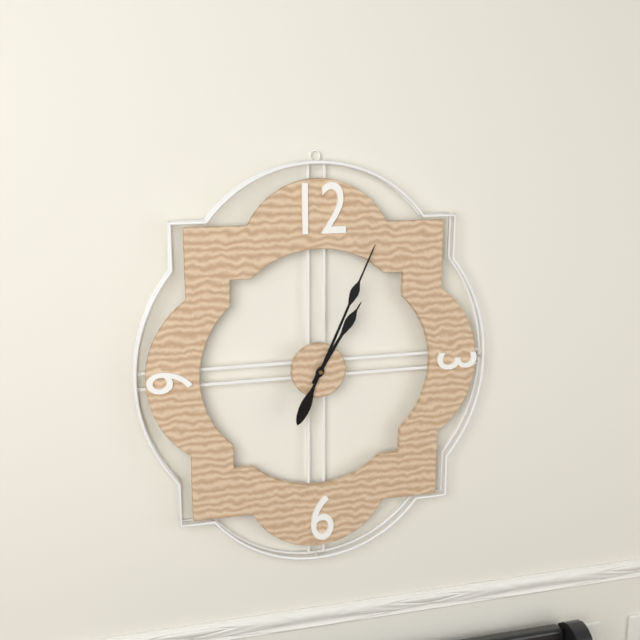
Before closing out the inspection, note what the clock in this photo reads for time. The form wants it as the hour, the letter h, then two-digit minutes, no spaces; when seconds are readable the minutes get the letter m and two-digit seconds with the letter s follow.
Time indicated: 1h04
